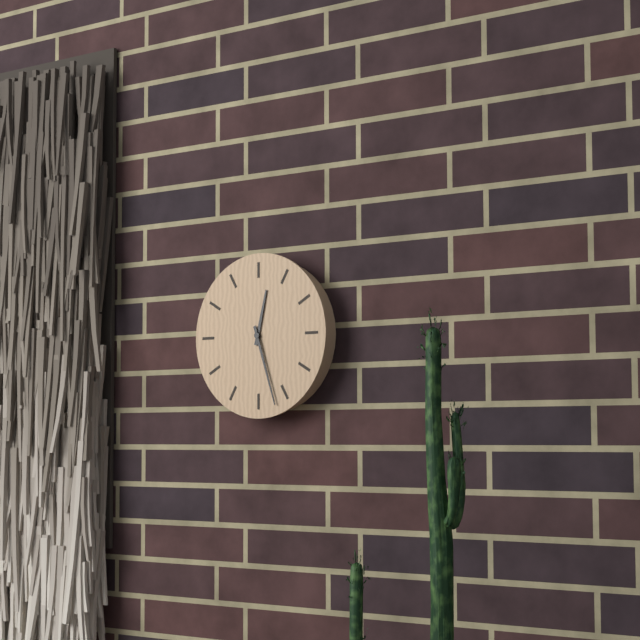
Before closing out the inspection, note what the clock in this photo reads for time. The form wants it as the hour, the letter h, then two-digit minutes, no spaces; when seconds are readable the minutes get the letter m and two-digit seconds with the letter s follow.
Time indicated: 12h27
